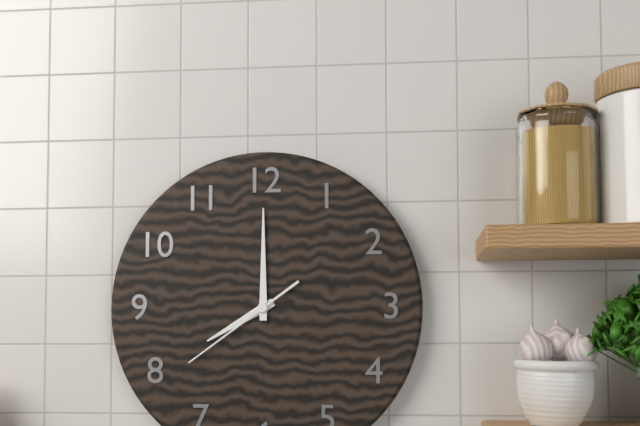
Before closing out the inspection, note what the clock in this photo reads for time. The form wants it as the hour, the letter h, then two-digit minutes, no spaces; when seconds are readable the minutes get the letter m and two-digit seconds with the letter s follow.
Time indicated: 8h00m39s
